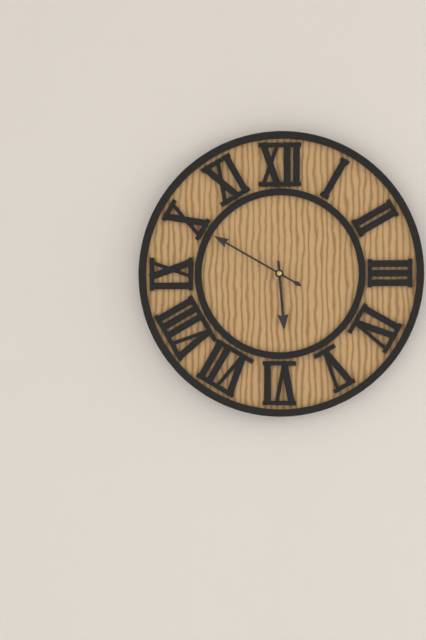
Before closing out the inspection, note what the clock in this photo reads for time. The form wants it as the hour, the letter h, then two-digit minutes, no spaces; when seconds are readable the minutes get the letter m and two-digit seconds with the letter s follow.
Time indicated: 5h50
